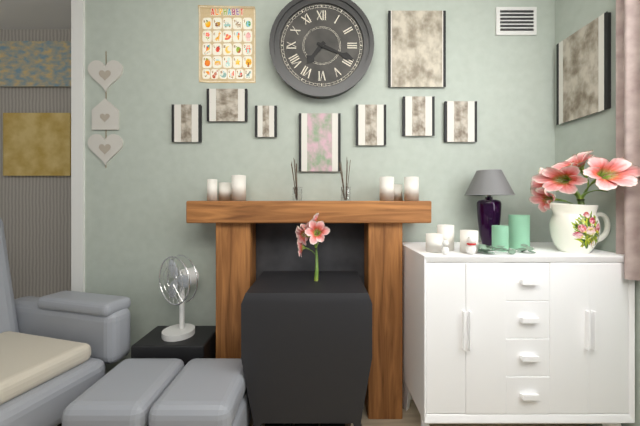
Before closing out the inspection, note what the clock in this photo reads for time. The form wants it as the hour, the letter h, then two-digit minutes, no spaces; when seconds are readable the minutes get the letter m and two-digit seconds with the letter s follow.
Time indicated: 7h19
